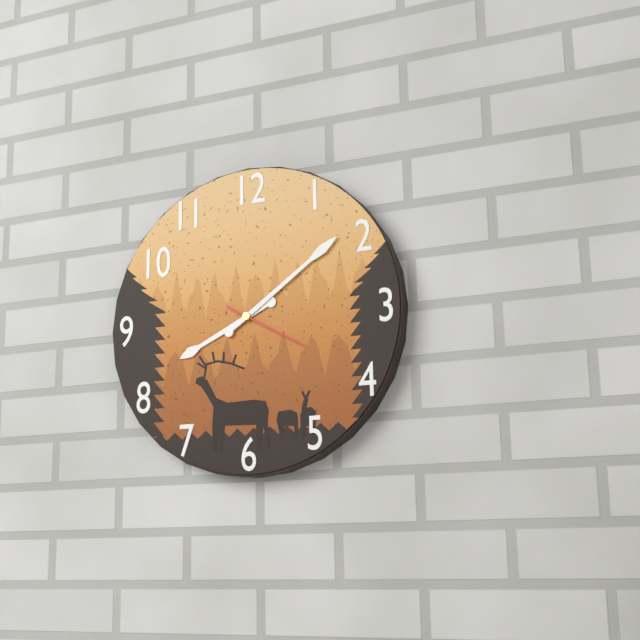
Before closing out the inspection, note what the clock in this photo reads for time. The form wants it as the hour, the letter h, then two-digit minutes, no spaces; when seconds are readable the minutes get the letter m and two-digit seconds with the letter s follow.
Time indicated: 8h09m20s
